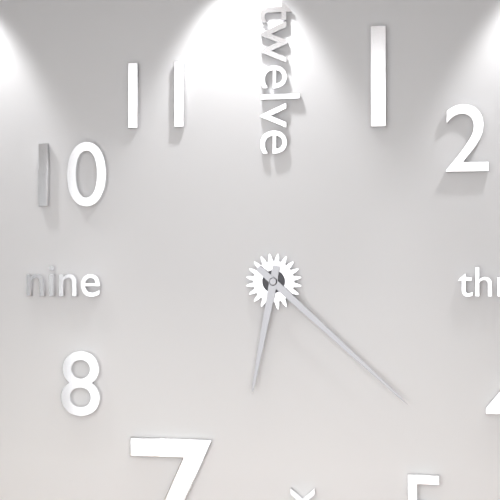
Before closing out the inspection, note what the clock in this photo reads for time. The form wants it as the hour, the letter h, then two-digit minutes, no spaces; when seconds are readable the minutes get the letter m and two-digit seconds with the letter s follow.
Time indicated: 6h22
